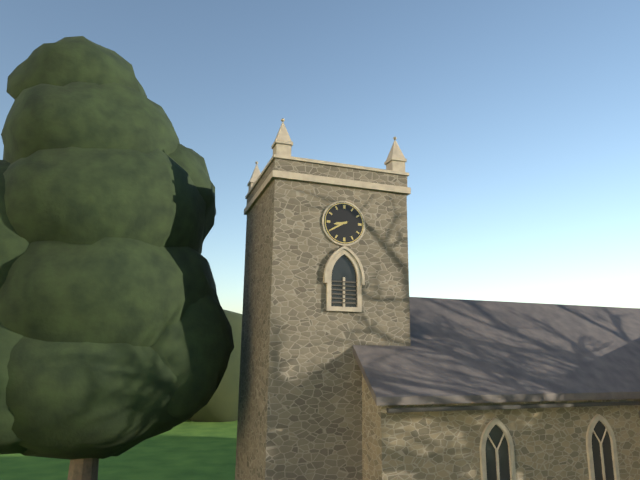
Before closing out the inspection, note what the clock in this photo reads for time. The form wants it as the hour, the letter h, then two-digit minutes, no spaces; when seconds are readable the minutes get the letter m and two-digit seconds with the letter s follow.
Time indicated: 8h40
